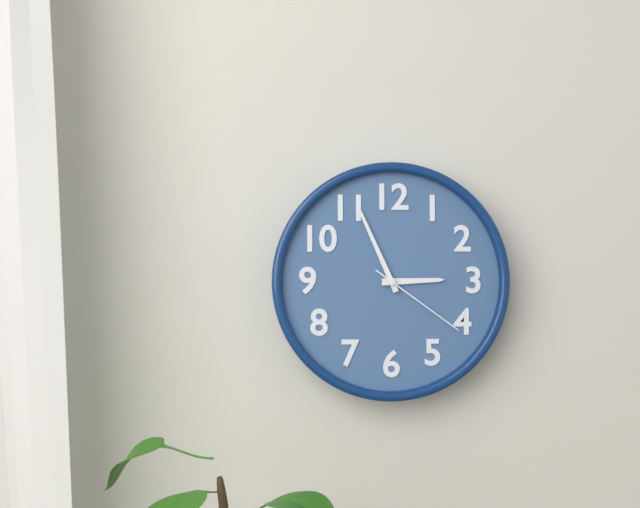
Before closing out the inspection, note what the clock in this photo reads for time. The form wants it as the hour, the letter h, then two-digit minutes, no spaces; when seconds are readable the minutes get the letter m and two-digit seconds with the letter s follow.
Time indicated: 2h56m21s
